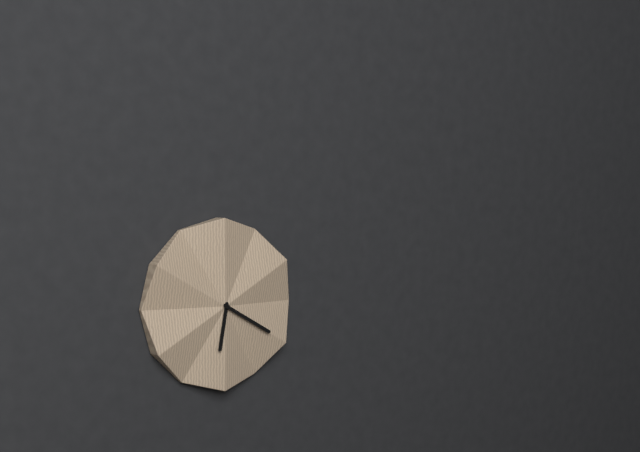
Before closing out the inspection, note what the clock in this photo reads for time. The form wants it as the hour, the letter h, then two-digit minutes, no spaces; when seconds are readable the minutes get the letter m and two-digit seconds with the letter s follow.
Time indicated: 6h20
